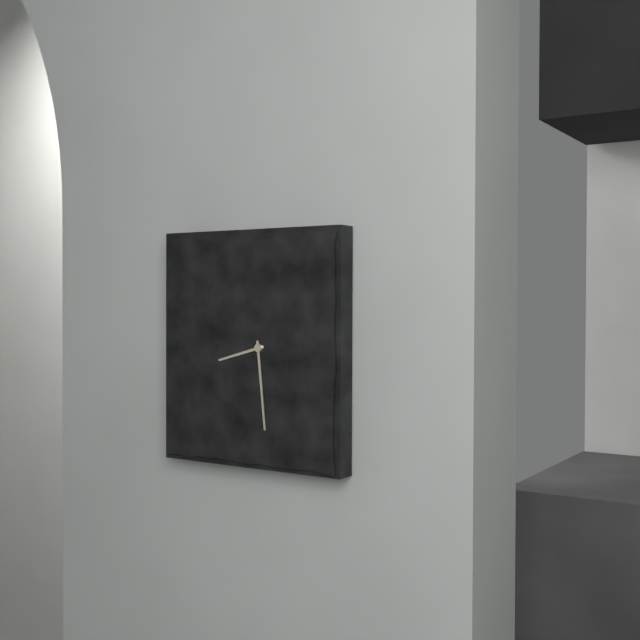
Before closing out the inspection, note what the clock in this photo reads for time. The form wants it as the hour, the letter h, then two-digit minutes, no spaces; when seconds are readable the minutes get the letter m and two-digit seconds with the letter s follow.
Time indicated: 8h29
